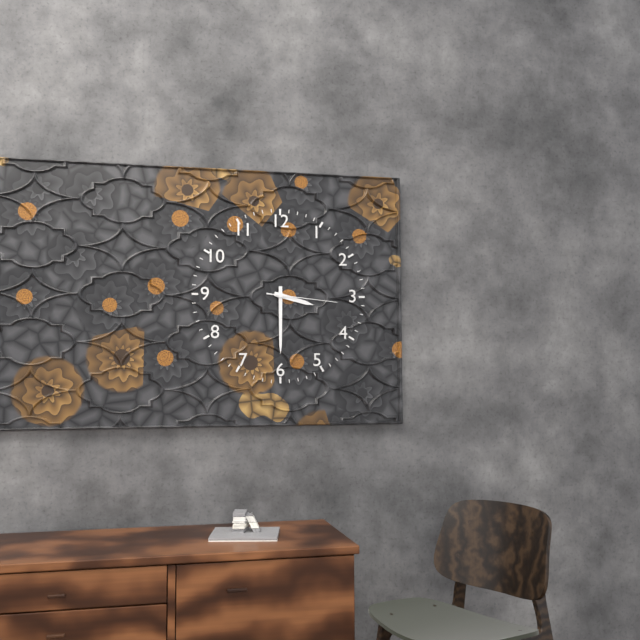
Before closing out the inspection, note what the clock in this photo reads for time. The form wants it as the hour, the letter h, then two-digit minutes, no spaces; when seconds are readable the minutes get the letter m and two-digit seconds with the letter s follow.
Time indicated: 3h30m16s
